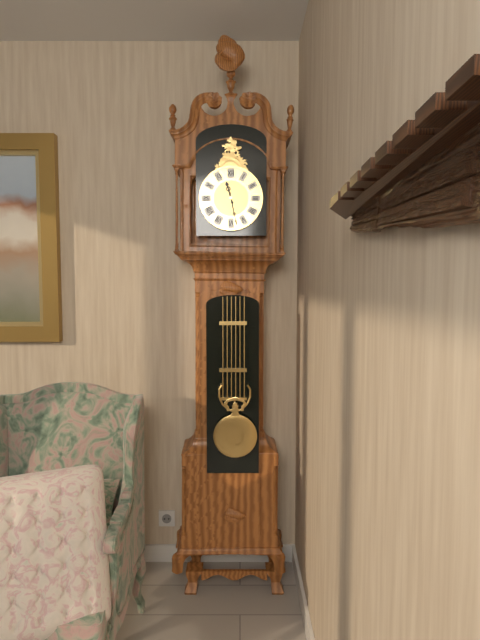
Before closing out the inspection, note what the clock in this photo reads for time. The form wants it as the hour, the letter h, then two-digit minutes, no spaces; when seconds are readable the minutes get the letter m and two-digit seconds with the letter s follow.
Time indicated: 11h28
